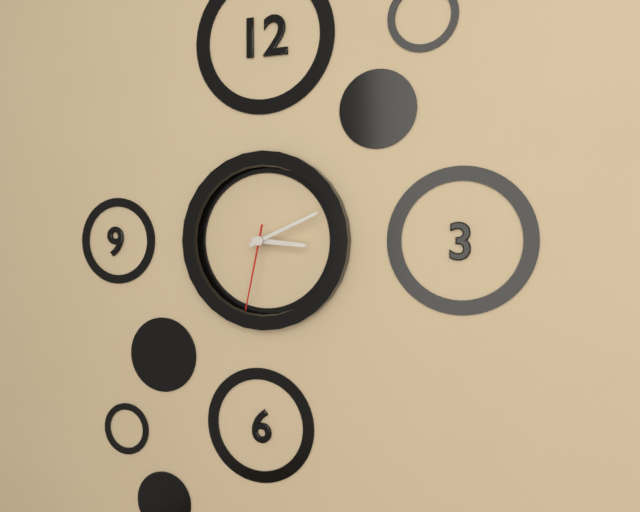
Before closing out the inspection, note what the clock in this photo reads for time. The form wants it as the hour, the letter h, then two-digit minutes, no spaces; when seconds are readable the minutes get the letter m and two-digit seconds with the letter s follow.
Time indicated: 3h11m32s
